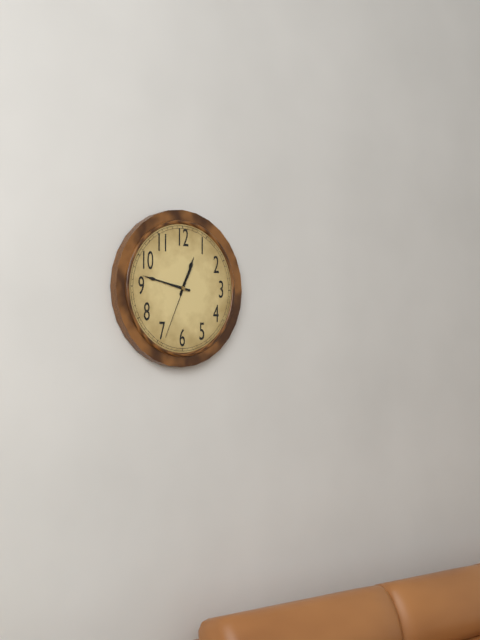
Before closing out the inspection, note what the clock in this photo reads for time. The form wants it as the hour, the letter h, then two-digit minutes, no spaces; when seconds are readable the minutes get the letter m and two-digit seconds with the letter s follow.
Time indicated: 12h47m34s
